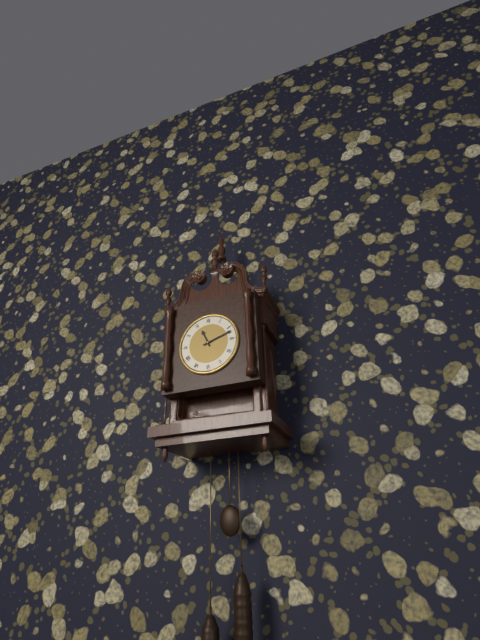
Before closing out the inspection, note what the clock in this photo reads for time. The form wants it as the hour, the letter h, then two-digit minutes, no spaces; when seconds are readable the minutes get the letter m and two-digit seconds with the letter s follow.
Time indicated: 11h12
